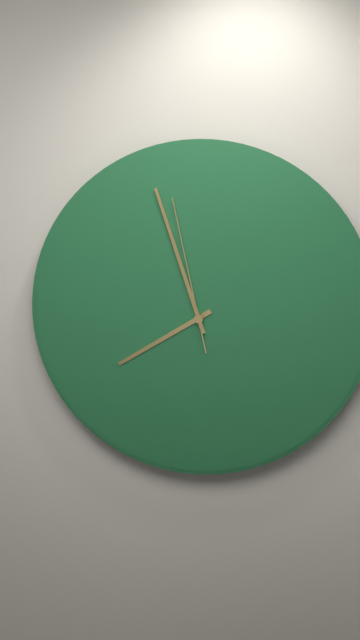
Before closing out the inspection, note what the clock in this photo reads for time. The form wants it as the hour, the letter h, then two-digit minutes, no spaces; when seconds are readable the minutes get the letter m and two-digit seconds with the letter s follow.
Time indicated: 7h57m58s
